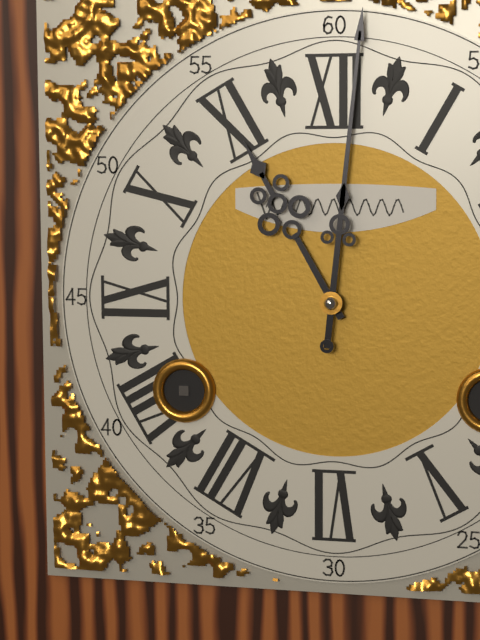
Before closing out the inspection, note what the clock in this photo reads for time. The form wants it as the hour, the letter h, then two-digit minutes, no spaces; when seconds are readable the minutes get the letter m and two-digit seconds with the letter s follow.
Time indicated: 11h01
